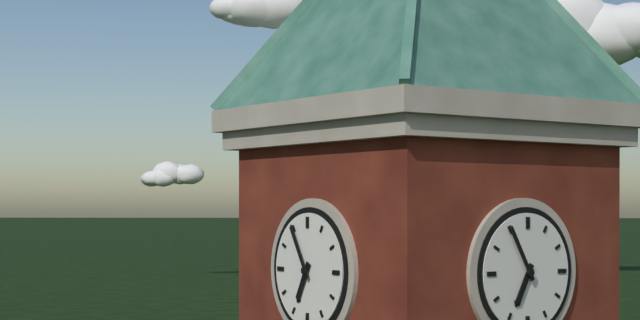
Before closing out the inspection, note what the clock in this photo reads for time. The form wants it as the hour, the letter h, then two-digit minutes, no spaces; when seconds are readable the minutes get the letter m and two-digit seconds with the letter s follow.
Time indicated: 6h55
